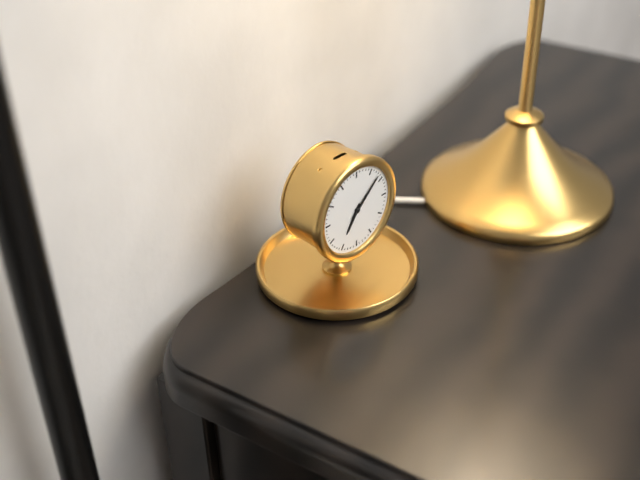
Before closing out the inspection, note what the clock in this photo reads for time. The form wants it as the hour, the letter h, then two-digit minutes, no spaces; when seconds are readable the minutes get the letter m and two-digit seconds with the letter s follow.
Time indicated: 7h08
